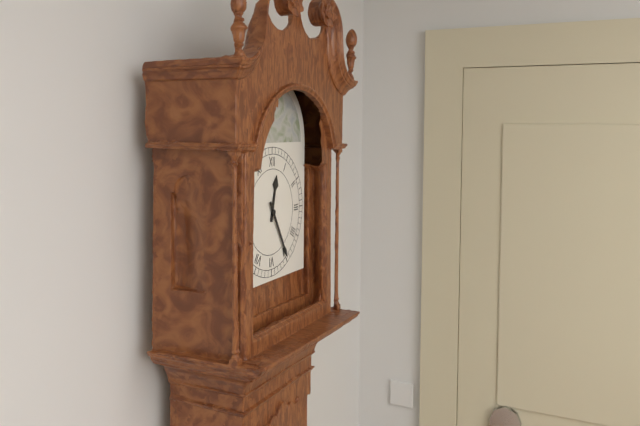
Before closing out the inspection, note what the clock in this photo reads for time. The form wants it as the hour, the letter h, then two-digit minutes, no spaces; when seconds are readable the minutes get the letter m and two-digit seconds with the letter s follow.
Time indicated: 12h25
